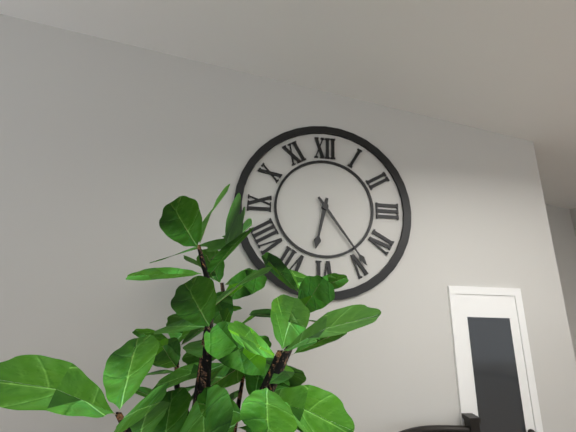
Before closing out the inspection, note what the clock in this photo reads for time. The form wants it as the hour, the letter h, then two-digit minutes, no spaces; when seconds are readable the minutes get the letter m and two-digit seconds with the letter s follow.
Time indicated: 6h24
